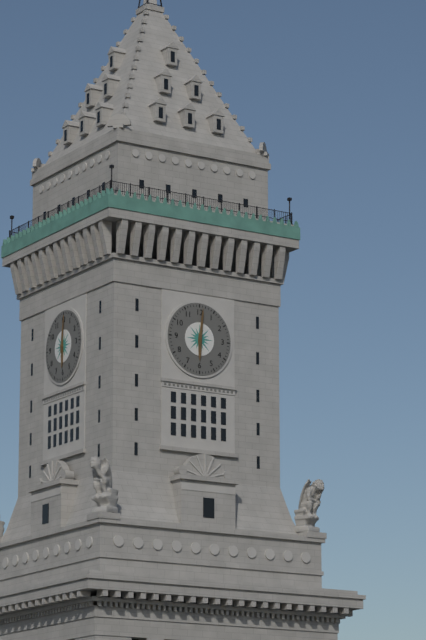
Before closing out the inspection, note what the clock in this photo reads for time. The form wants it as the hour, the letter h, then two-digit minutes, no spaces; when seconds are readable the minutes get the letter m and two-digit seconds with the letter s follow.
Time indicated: 6h01
